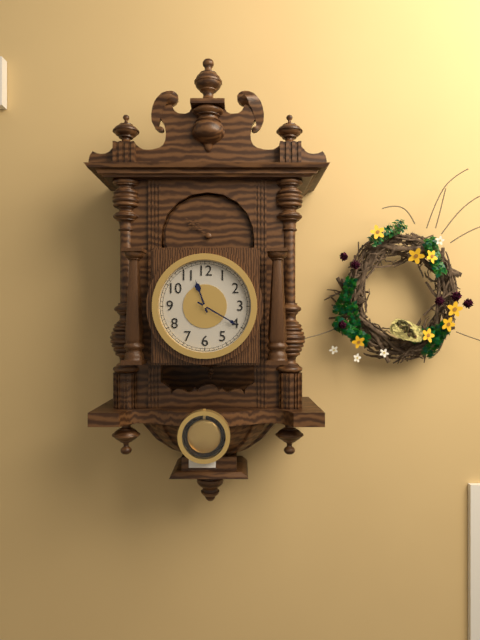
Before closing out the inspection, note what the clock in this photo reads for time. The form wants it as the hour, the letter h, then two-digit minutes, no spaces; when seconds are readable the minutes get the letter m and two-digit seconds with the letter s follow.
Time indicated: 11h20
